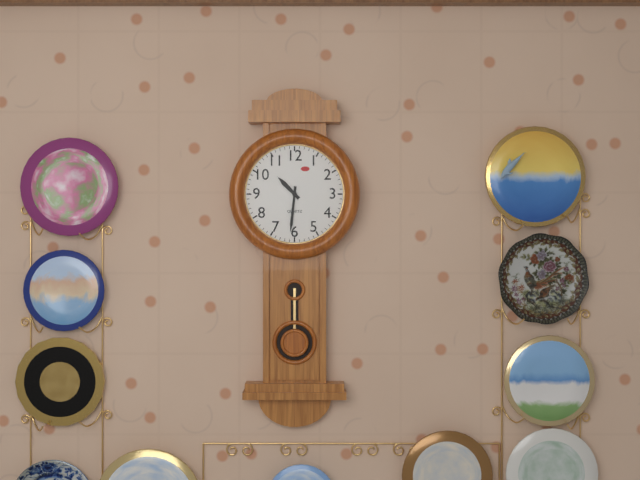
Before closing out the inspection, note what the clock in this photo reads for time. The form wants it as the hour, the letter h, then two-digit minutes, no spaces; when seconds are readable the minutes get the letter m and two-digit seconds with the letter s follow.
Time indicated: 10h31
